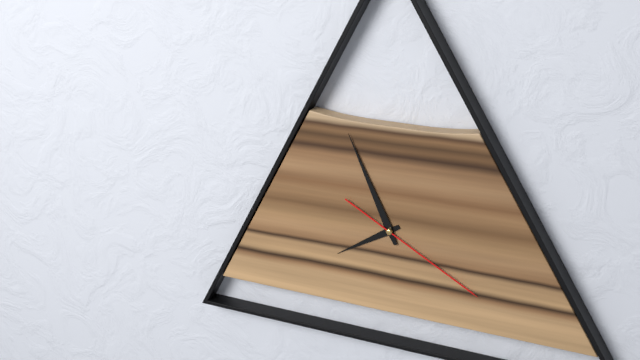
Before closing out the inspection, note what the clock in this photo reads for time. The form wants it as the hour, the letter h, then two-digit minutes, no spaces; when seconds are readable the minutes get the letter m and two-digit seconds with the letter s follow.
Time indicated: 7h56m20s
